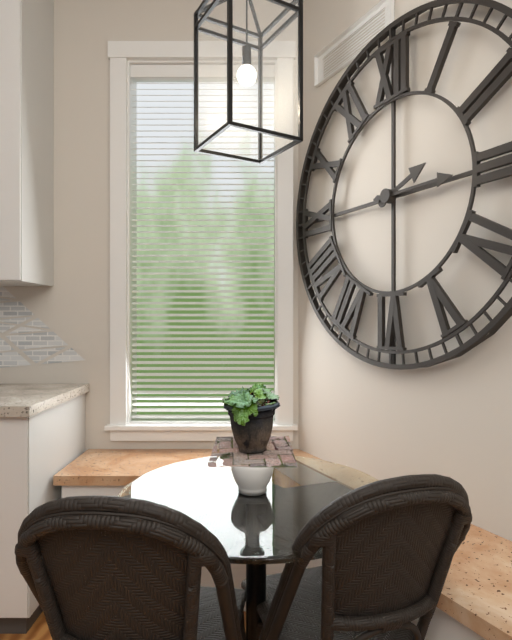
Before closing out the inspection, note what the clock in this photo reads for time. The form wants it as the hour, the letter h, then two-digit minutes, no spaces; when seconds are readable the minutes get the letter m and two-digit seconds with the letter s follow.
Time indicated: 2h15
